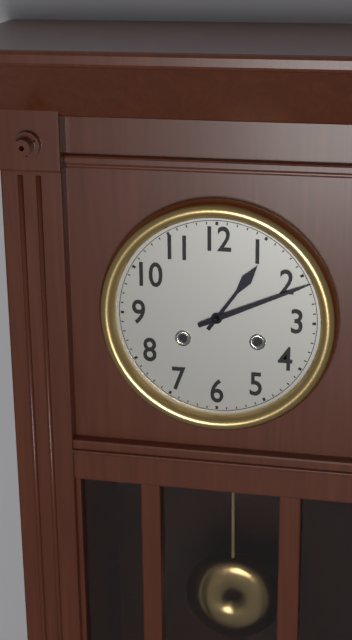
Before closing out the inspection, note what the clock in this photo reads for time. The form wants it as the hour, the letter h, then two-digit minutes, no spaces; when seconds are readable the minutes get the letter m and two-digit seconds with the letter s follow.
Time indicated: 1h11
